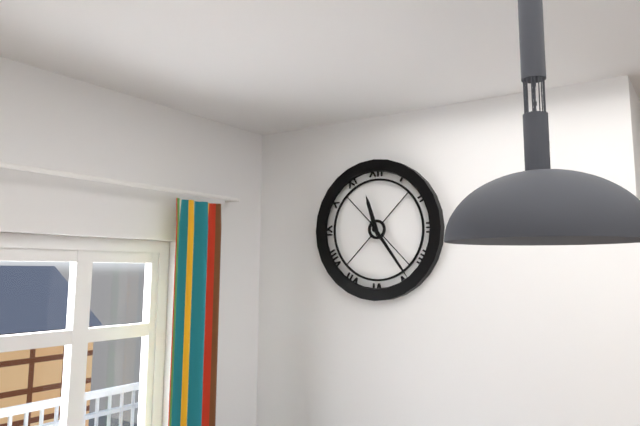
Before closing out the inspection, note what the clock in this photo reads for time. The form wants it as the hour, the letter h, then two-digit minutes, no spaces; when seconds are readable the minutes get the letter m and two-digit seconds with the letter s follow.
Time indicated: 11h24
